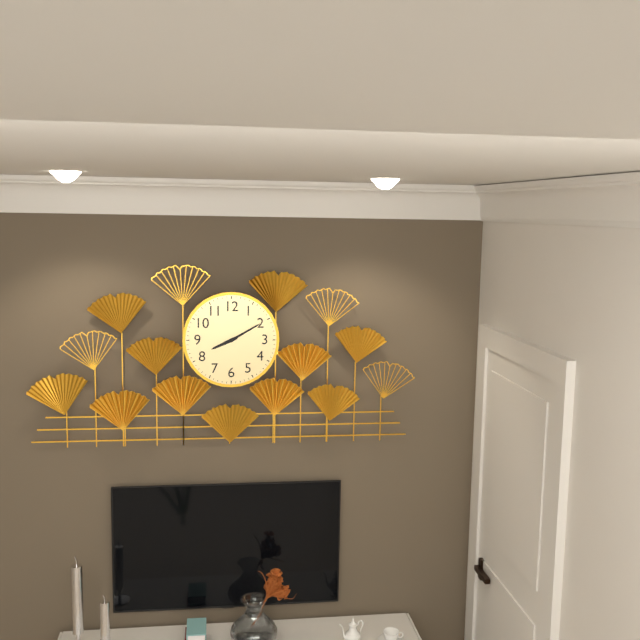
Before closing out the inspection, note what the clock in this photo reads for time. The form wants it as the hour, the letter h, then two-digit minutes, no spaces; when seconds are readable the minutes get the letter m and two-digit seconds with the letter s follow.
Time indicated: 8h10
